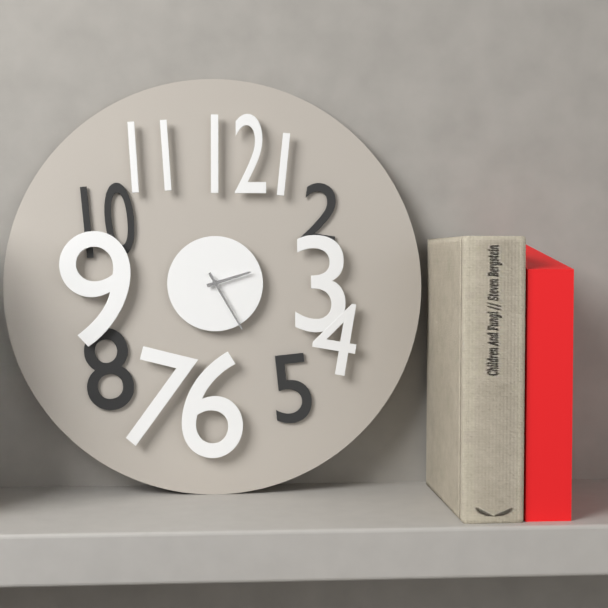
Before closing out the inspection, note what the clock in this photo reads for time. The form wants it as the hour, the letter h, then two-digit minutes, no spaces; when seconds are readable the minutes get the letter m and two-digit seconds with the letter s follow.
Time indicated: 2h25
